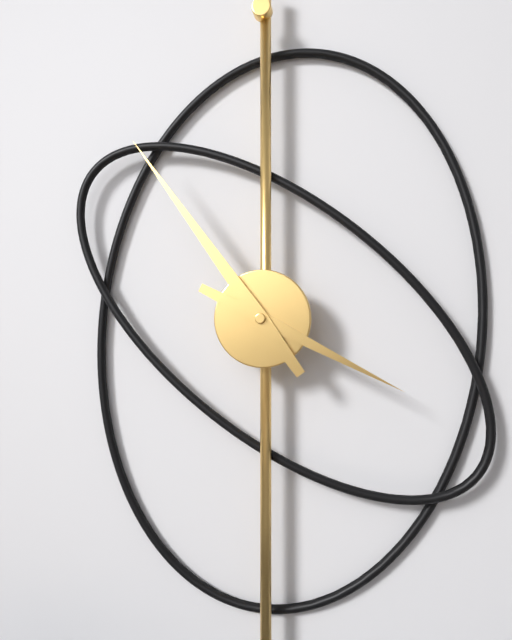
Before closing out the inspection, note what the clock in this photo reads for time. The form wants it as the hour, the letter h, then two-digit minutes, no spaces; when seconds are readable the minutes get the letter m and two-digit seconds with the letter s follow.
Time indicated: 3h54
